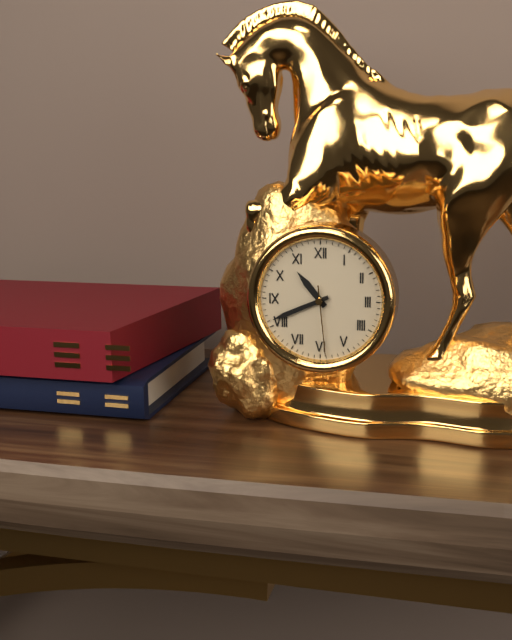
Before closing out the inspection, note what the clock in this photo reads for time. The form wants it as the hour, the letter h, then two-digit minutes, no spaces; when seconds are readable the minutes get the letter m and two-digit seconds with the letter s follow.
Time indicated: 10h41m29s
